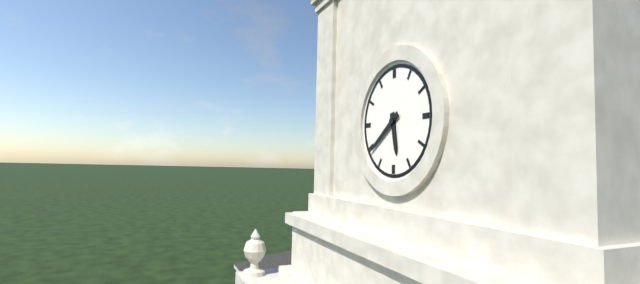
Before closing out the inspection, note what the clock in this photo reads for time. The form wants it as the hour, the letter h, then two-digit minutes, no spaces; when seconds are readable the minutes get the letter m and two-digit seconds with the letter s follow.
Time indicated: 5h39
